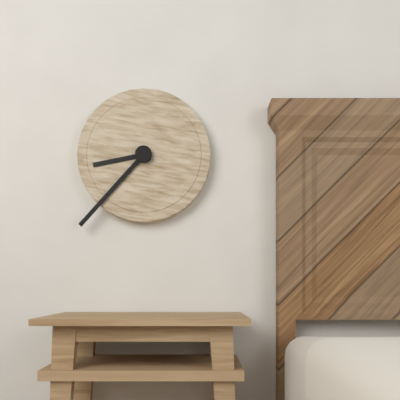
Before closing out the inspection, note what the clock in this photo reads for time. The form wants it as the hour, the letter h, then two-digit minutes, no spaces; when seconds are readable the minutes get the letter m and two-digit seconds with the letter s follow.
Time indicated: 8h37
